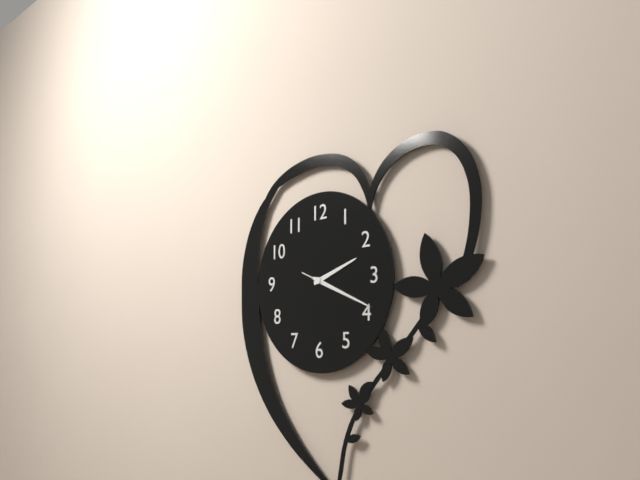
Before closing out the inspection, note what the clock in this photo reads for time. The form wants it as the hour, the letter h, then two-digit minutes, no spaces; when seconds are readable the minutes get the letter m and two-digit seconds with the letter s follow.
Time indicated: 2h19m19s
